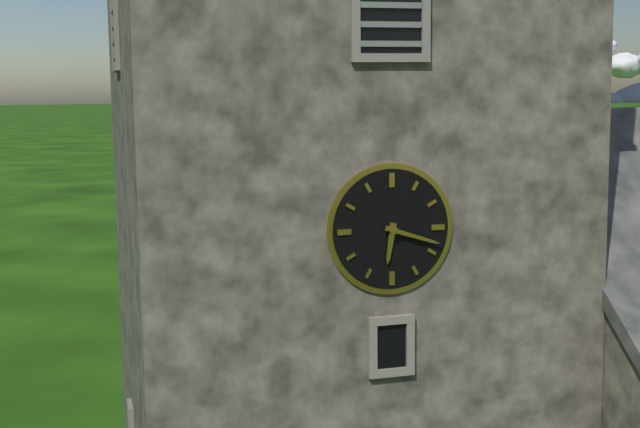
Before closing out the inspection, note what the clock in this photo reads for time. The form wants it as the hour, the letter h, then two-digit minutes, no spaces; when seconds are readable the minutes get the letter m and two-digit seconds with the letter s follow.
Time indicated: 6h18
